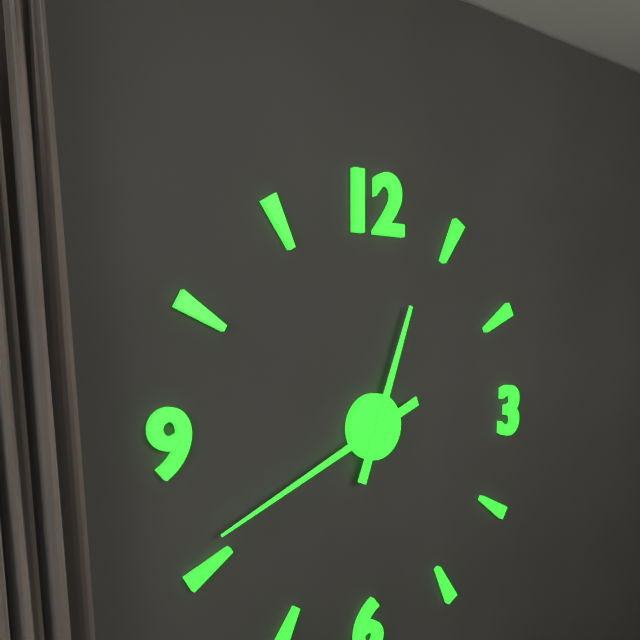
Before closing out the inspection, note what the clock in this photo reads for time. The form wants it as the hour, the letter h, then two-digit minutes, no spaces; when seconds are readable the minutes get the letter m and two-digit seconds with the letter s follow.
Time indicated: 12h41
